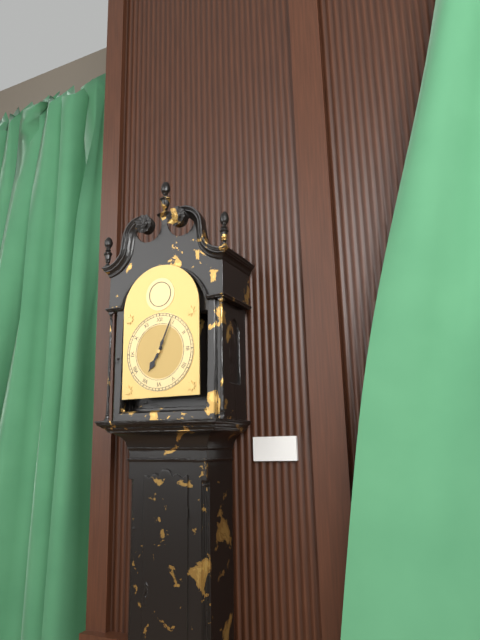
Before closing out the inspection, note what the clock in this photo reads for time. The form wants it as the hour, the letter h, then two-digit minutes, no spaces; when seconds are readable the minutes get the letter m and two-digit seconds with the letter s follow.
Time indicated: 7h04
